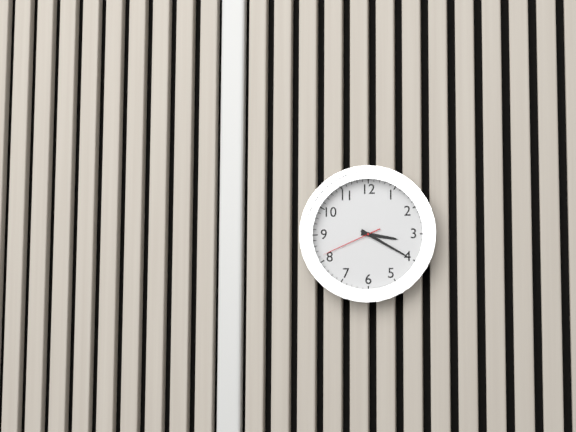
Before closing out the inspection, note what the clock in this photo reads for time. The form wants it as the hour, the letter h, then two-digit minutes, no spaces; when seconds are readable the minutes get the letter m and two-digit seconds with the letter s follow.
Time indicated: 3h20m41s
